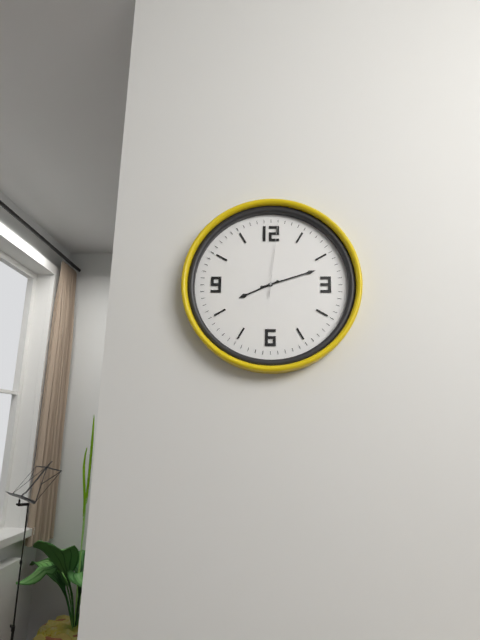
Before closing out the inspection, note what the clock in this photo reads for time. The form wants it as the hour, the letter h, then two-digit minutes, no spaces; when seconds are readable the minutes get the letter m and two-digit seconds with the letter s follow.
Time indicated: 8h12m01s
